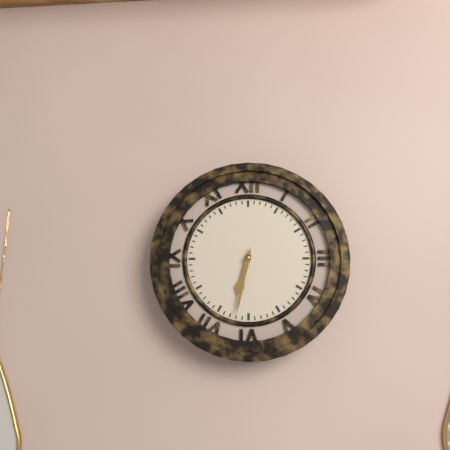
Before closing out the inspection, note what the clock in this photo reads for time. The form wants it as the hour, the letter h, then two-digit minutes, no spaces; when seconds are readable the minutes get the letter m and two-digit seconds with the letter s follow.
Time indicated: 6h32
